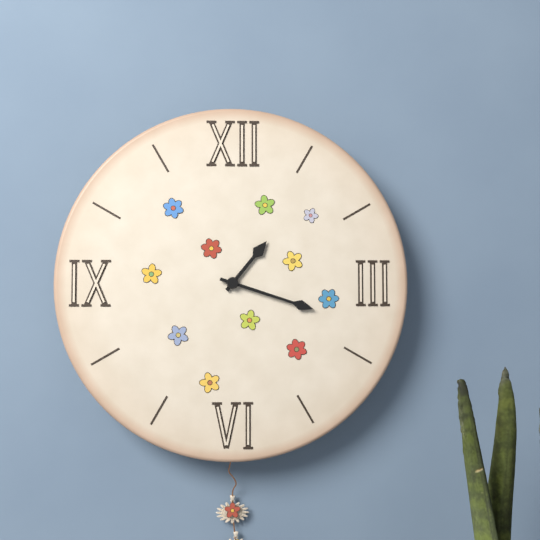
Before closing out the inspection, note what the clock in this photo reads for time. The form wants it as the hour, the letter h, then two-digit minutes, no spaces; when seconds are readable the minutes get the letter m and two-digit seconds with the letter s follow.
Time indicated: 1h18
